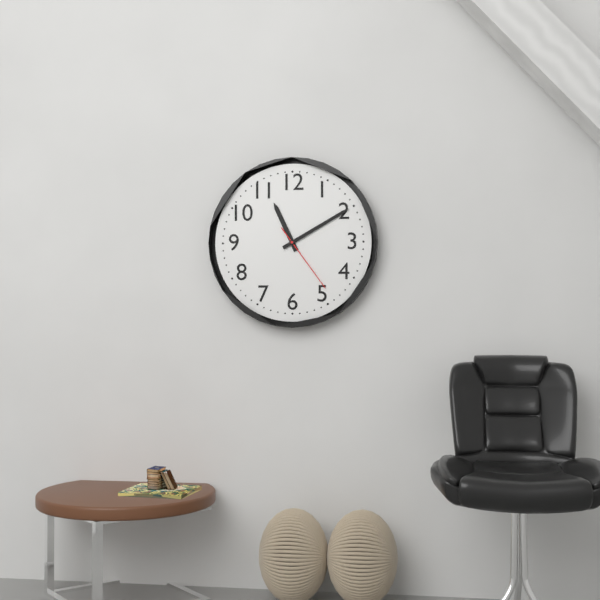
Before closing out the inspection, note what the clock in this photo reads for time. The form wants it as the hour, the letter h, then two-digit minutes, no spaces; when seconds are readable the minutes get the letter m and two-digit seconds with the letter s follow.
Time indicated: 11h10m24s
